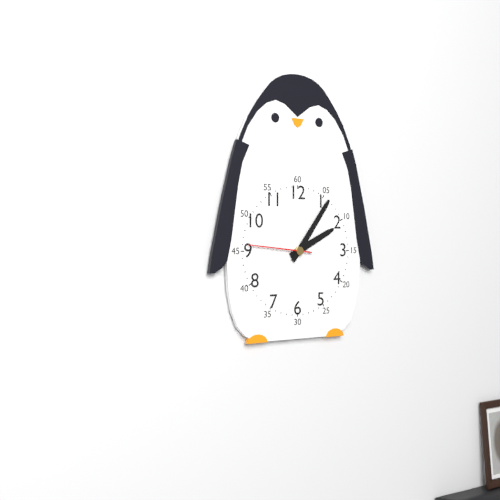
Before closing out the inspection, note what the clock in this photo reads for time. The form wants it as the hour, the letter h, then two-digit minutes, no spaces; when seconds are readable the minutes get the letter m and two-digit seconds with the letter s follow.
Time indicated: 2h06m46s
